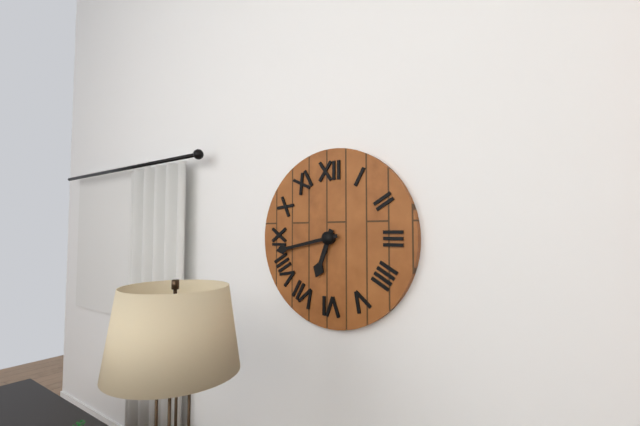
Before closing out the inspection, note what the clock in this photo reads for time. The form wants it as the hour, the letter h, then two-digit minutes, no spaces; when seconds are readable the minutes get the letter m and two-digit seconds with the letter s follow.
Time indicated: 6h43
